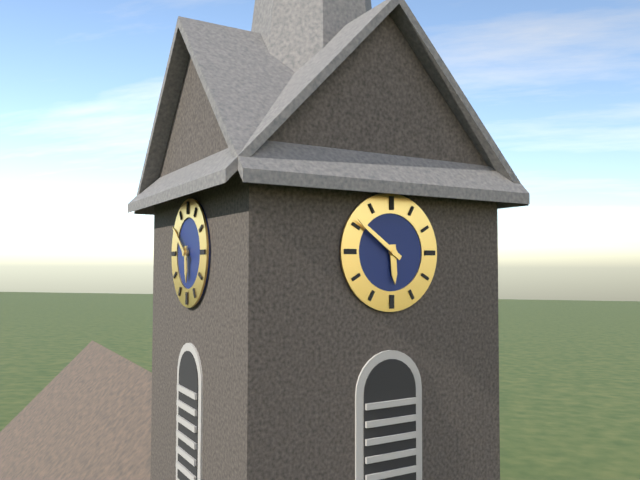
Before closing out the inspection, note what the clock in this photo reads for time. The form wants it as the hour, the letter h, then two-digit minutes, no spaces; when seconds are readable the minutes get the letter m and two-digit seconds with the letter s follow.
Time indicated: 5h51
